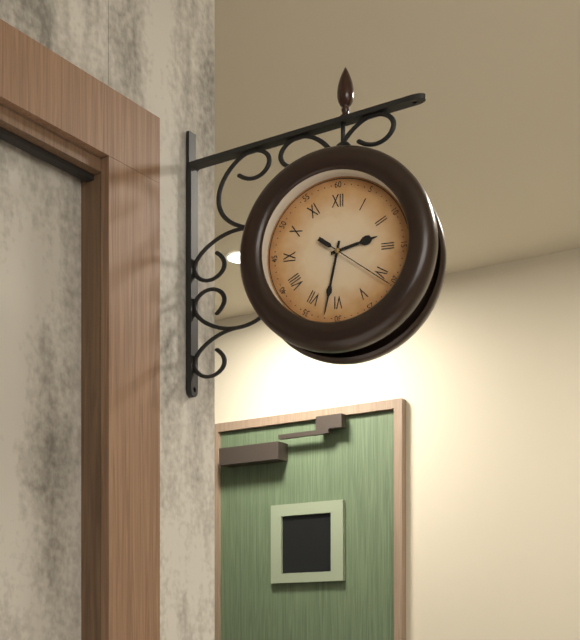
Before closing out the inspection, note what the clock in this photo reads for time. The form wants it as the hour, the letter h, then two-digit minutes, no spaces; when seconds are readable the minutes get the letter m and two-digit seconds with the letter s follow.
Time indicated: 2h32m21s
